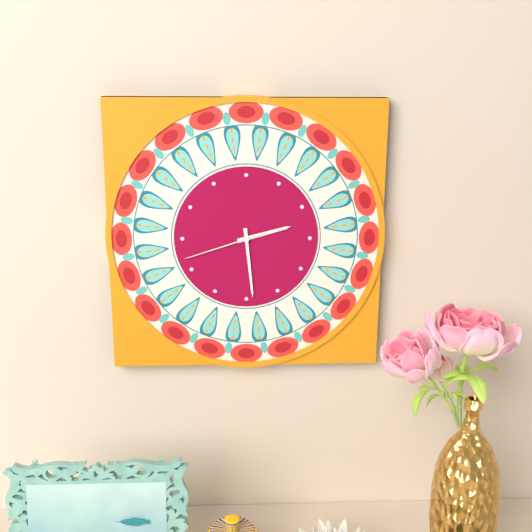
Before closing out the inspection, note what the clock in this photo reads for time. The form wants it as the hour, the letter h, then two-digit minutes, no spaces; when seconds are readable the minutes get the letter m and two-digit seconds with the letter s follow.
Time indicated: 2h29m42s
